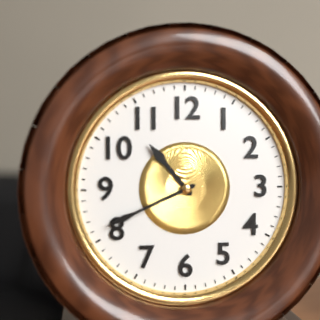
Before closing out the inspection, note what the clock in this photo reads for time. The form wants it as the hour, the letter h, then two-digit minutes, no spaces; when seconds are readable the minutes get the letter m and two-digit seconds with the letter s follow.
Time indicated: 10h41
